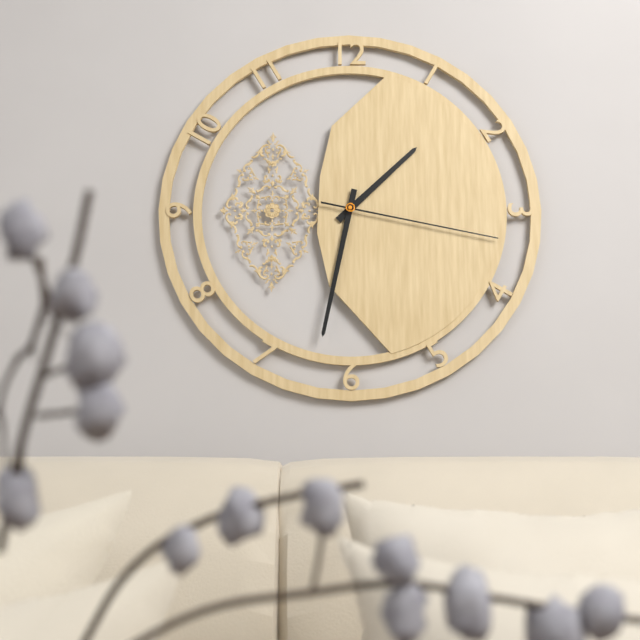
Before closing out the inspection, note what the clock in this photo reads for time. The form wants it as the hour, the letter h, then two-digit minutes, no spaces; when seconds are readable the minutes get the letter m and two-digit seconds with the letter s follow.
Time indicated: 1h32m17s
